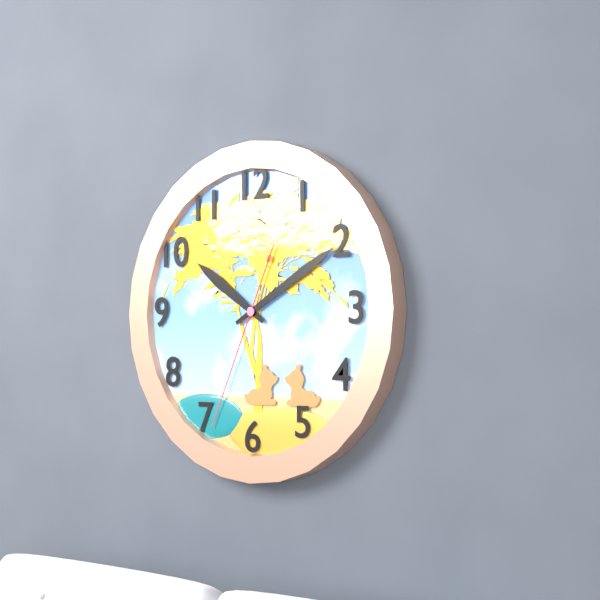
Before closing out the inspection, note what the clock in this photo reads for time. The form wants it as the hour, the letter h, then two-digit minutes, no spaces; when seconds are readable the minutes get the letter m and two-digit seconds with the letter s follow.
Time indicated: 10h10m34s
